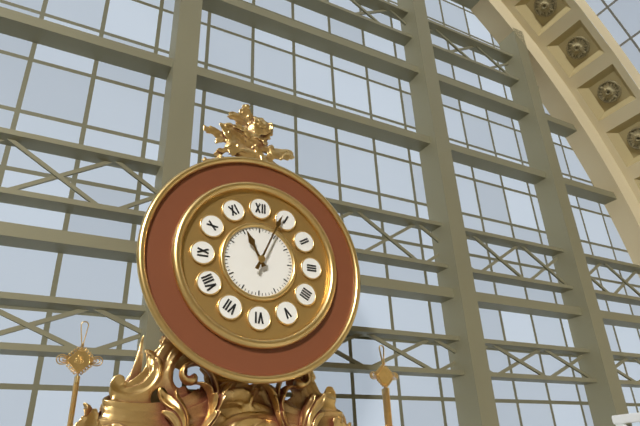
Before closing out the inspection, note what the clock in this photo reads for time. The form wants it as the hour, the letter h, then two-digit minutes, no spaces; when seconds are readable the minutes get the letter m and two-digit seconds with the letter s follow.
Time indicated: 11h04
